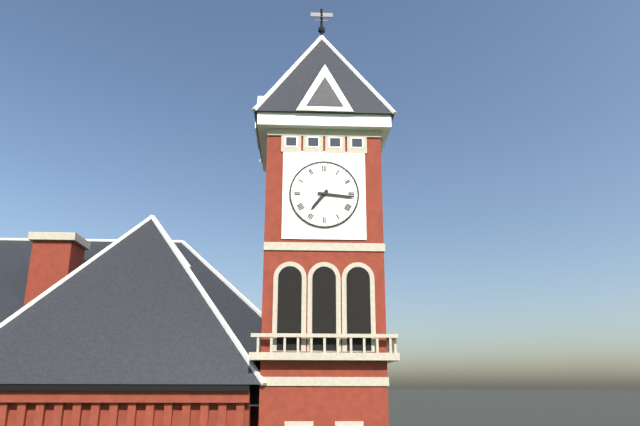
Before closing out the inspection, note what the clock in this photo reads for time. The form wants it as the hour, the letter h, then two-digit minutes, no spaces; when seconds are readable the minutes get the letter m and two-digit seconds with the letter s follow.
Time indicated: 7h16
